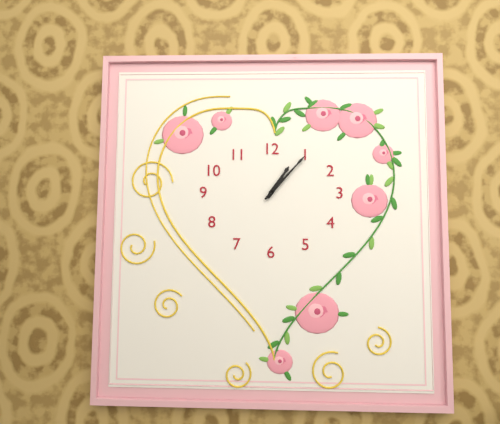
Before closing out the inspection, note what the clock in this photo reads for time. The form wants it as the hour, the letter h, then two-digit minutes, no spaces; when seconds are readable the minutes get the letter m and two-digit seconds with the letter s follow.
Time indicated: 1h07
